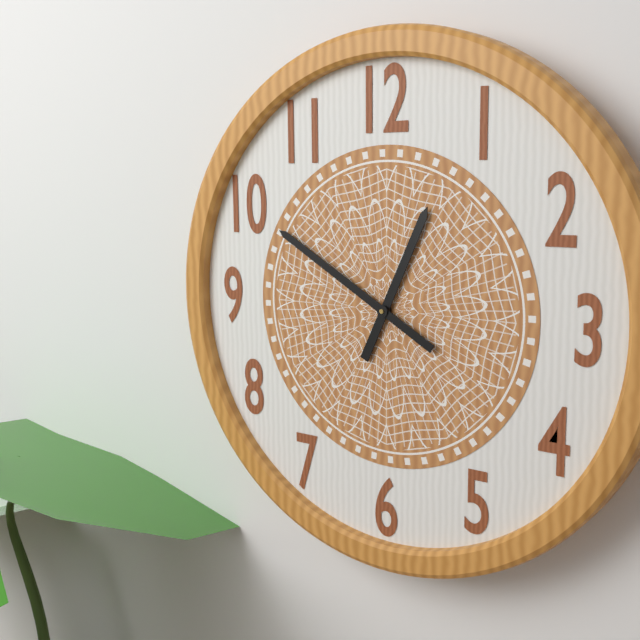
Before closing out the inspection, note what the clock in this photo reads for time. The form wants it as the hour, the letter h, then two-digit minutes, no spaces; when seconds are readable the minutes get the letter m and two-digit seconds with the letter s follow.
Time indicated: 12h50
